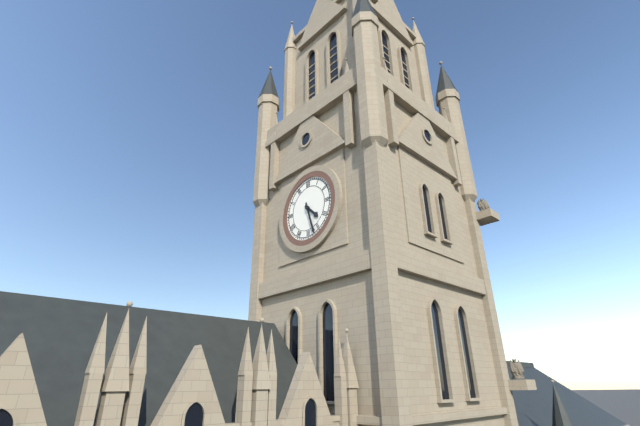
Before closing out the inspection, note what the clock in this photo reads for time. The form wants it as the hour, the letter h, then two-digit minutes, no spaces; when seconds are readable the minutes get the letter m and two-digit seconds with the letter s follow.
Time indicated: 4h27
